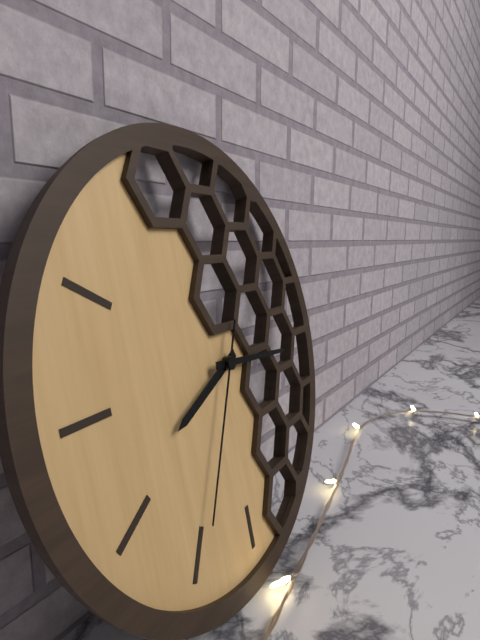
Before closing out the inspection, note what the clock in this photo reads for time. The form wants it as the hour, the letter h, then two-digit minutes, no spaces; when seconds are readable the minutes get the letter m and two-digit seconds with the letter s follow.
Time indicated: 8h16m35s
